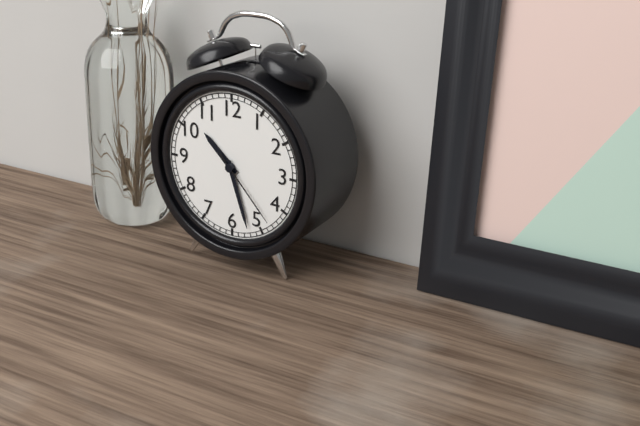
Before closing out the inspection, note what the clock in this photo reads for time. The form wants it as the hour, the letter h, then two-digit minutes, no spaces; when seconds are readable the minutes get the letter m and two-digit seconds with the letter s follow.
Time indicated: 10h27m23s
